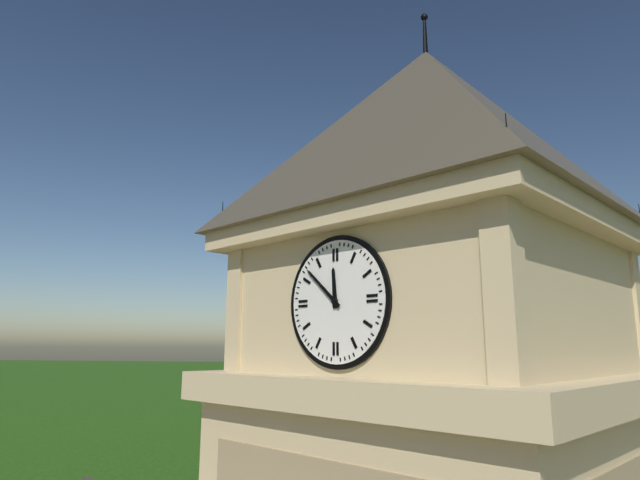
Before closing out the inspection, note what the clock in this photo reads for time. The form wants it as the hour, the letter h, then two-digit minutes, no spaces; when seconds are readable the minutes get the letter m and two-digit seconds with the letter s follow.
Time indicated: 11h52
